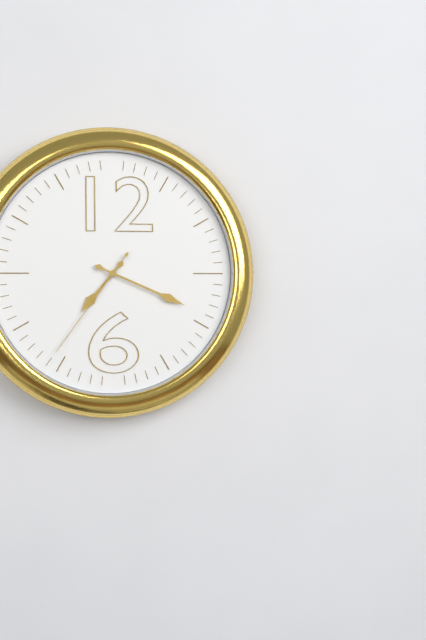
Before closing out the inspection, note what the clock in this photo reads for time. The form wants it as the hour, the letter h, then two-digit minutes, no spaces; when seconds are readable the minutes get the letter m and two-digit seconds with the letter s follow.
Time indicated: 7h19m36s
